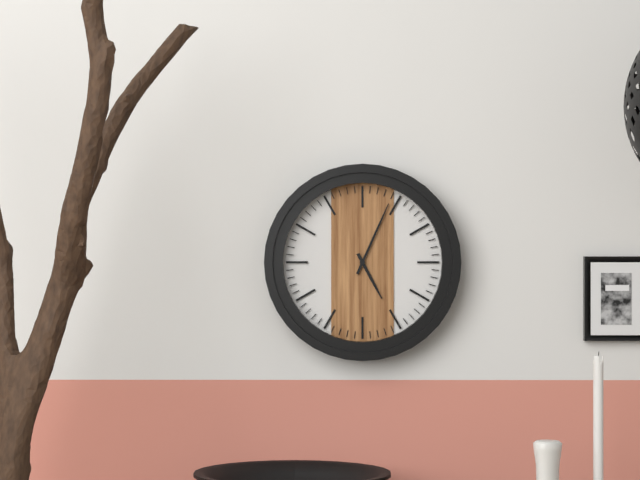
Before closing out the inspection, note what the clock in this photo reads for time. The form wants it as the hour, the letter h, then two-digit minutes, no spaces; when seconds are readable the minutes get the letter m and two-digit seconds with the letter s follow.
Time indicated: 5h04
